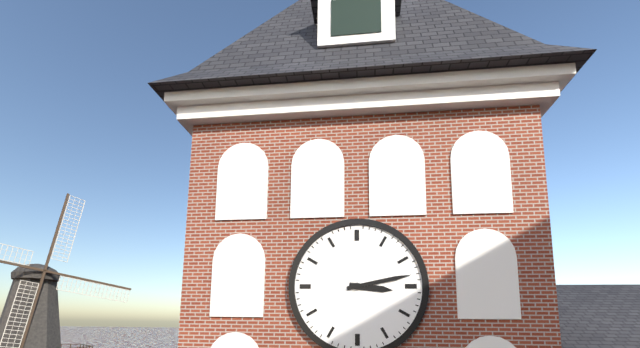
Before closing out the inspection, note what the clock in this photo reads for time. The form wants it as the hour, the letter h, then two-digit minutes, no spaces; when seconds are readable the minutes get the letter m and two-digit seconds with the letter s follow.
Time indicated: 3h13
